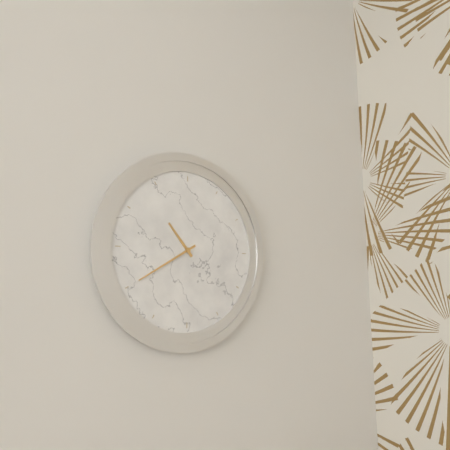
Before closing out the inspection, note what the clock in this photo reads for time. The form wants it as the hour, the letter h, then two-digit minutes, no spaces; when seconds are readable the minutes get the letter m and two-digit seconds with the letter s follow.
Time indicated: 10h40
